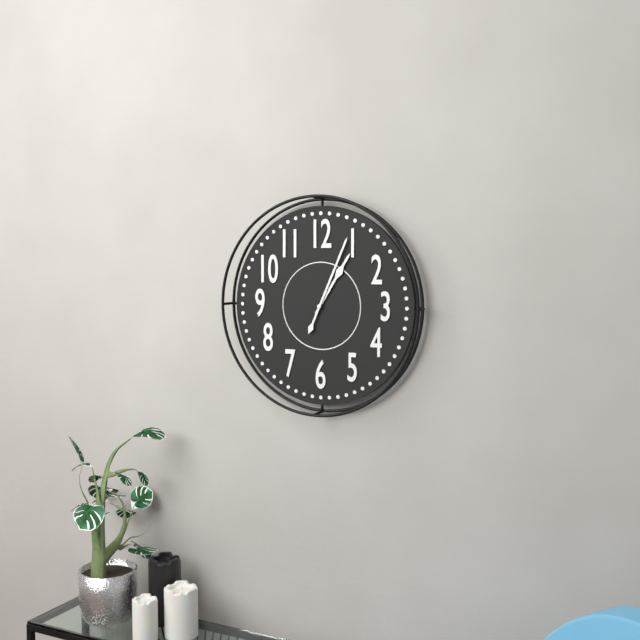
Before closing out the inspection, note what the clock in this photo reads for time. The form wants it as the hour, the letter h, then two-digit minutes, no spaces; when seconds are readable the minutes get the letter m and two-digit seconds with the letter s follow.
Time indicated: 1h04
